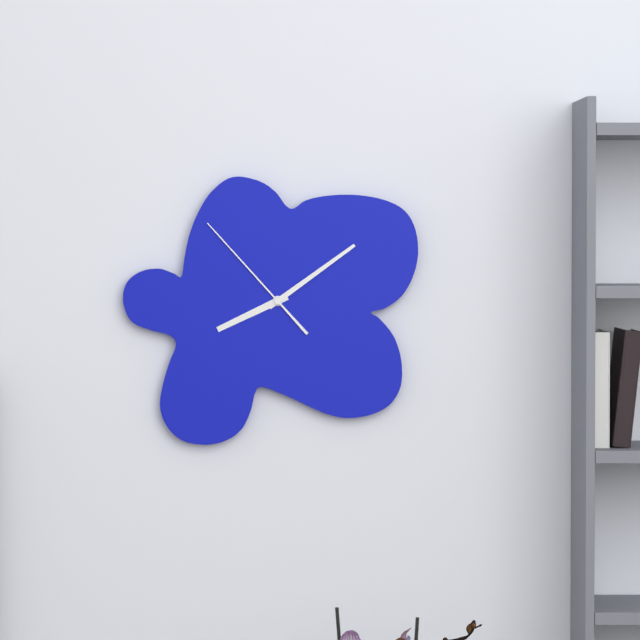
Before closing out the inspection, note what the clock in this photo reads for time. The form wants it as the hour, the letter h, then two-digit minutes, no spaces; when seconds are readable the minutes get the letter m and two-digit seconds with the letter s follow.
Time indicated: 8h09m53s
